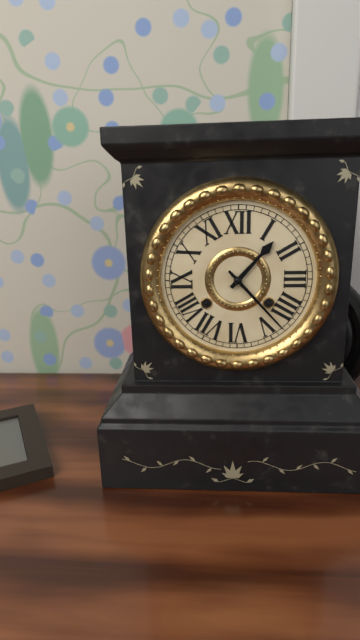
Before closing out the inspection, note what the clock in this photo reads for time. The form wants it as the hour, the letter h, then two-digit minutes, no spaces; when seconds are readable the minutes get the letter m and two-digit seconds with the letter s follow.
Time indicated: 1h23
